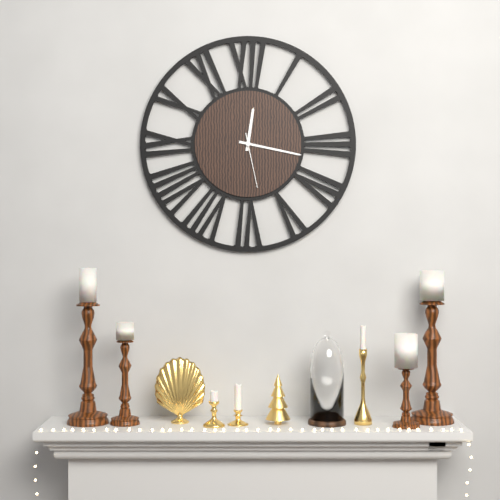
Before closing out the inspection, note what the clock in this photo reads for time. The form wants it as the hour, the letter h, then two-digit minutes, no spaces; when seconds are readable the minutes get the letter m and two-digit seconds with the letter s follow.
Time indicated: 12h17m28s
